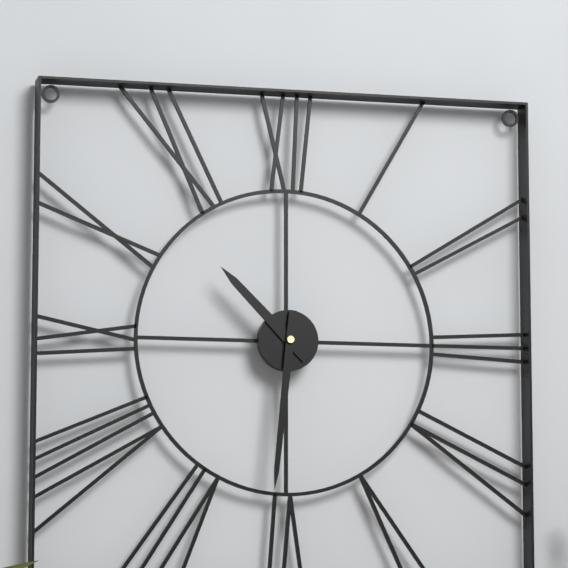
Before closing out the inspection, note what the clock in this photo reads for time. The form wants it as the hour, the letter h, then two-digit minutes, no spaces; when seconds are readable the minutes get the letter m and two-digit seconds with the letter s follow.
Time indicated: 10h31
